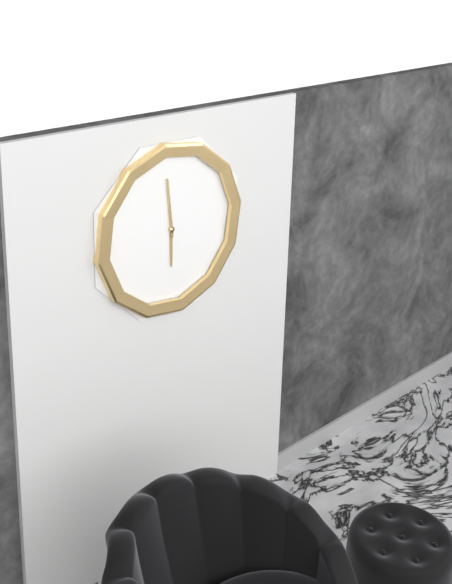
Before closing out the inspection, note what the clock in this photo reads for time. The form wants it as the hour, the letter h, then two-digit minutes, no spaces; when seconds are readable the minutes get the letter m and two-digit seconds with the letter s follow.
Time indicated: 5h59
